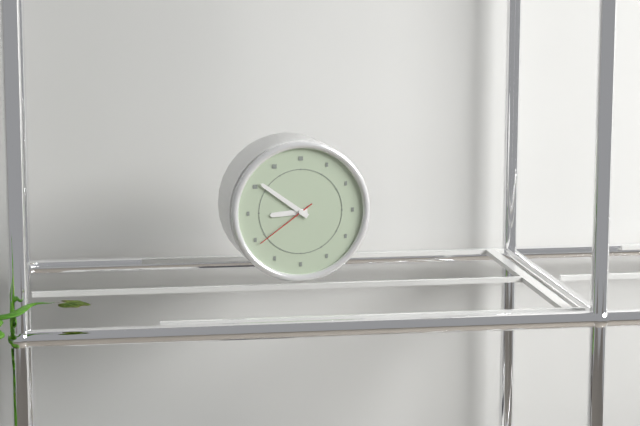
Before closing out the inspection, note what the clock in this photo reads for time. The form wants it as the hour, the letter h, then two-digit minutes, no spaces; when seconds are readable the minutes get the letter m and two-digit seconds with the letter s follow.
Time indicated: 8h51m39s
